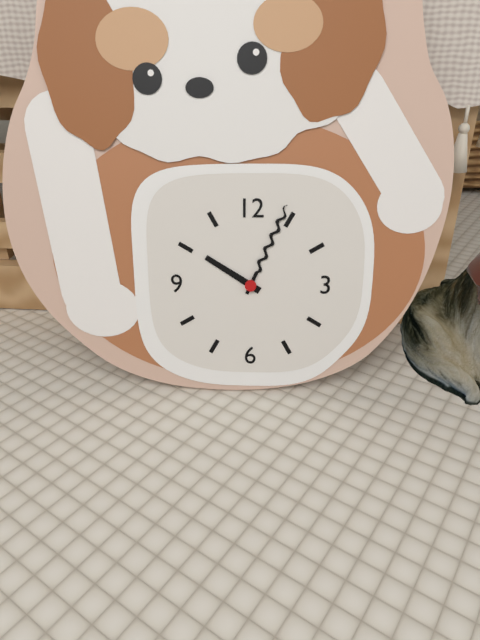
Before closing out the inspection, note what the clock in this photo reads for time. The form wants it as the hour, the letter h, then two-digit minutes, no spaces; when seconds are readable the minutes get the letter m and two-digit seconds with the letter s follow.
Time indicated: 10h04
